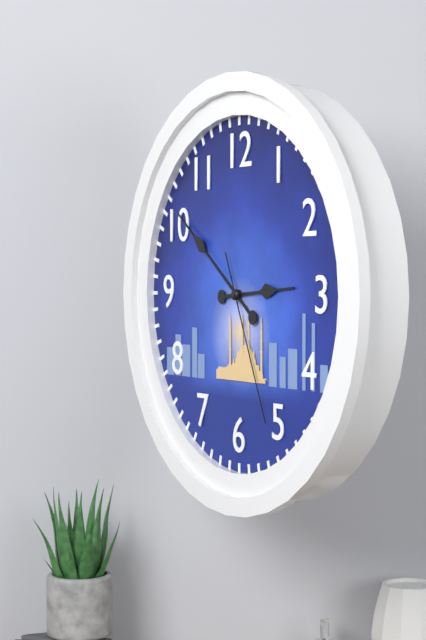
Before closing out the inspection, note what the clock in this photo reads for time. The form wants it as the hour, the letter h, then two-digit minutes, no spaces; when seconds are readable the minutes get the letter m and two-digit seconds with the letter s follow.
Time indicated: 2h51m26s
